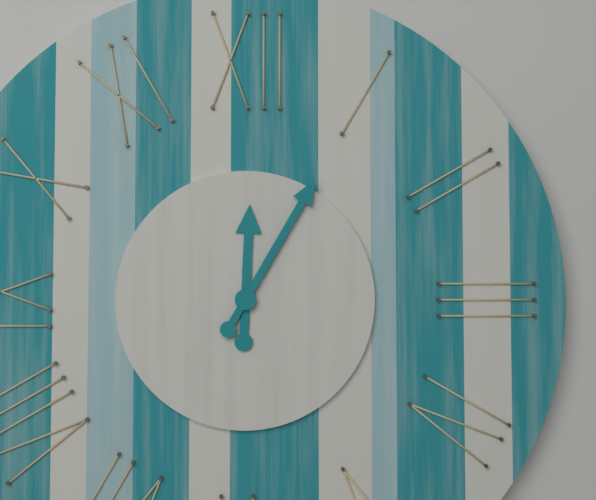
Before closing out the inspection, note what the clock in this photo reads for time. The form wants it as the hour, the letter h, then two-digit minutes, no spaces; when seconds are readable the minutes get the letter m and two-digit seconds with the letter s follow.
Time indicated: 12h05
